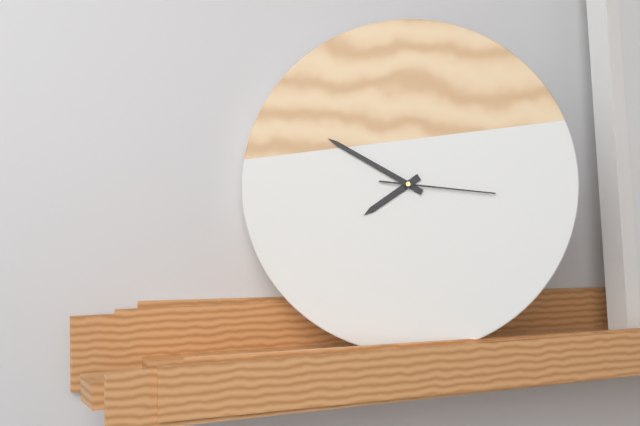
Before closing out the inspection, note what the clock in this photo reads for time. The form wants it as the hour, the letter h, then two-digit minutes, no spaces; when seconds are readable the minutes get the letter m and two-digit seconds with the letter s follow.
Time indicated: 7h50m16s
